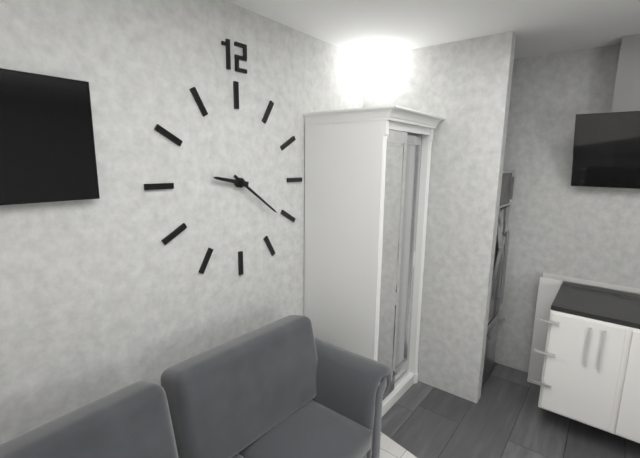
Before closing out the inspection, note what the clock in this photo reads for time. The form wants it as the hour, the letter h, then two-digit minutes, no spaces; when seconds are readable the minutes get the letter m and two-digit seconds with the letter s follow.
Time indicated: 9h21
